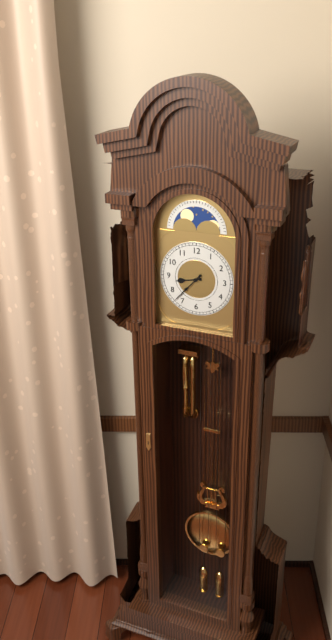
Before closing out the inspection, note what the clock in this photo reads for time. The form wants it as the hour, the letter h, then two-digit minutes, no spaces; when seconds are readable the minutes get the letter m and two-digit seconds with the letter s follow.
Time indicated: 8h37
